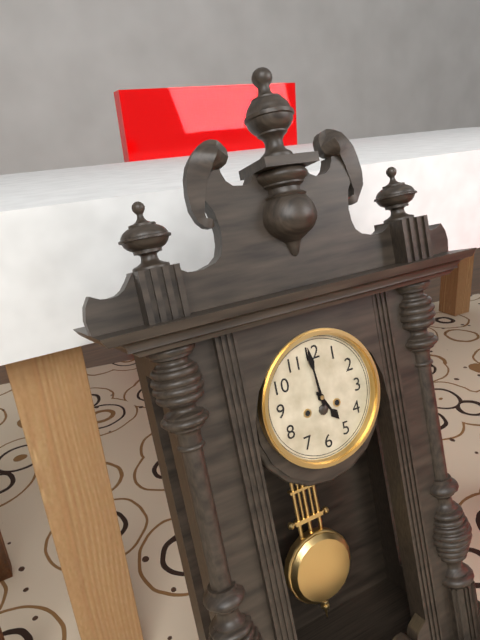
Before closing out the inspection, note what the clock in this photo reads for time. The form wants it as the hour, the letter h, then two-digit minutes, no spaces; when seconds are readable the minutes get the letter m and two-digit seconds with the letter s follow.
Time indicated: 4h59
